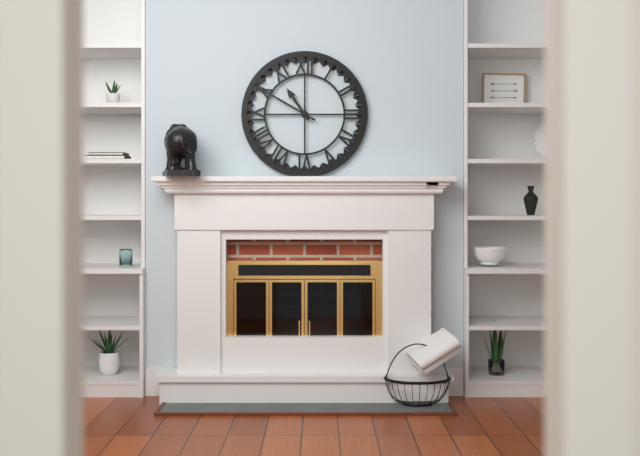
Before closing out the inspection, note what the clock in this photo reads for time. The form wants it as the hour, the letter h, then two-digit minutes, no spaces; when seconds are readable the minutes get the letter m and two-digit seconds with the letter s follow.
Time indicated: 10h50
